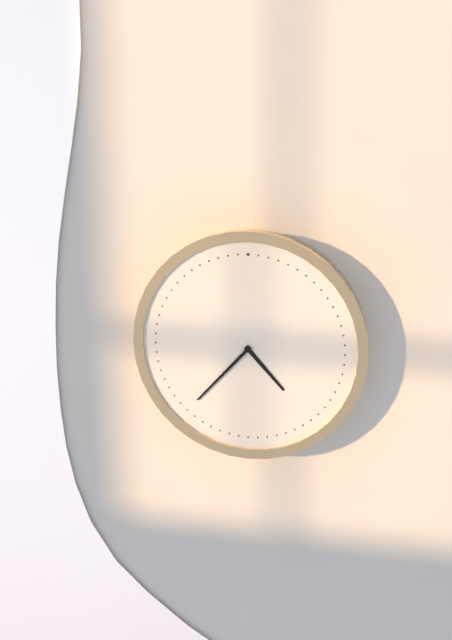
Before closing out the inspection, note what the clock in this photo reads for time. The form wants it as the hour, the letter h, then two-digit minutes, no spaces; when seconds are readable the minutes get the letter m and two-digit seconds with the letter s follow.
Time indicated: 4h37
